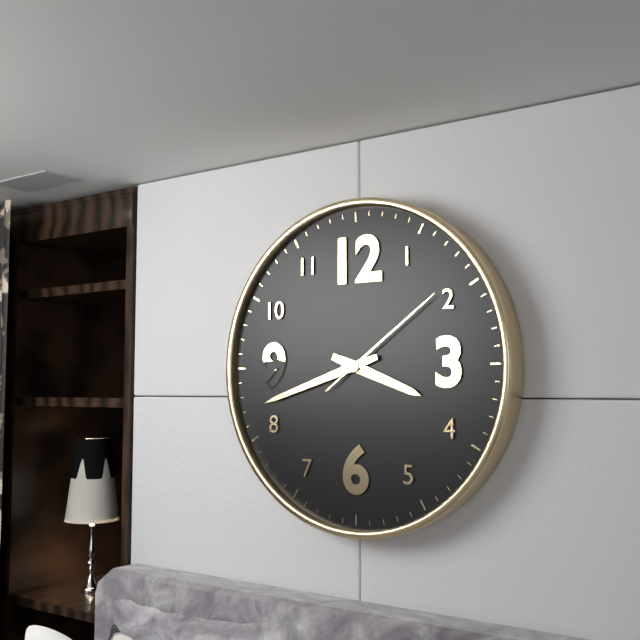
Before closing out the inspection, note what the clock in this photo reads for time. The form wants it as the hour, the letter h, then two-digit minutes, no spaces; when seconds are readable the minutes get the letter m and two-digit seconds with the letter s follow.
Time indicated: 3h42m09s
